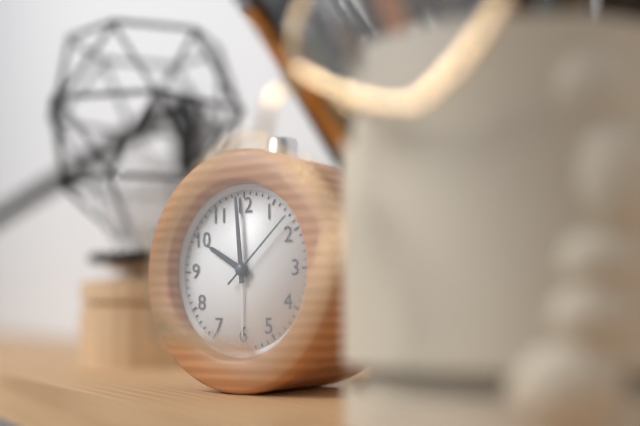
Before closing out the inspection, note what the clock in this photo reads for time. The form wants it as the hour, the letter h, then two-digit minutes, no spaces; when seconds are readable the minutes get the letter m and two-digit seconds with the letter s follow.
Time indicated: 9h59m08s
